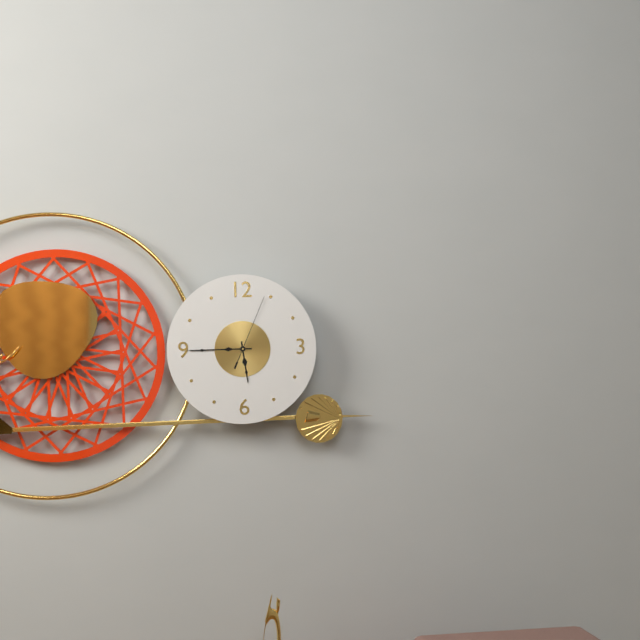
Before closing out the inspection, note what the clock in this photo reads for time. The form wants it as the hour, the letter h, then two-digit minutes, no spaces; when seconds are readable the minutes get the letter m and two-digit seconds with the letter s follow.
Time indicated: 5h45m04s
